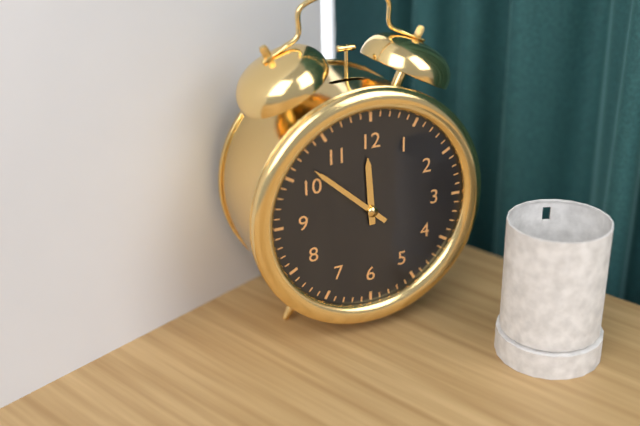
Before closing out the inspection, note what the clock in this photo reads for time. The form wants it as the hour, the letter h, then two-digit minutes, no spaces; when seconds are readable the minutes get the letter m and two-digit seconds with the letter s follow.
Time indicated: 11h52
